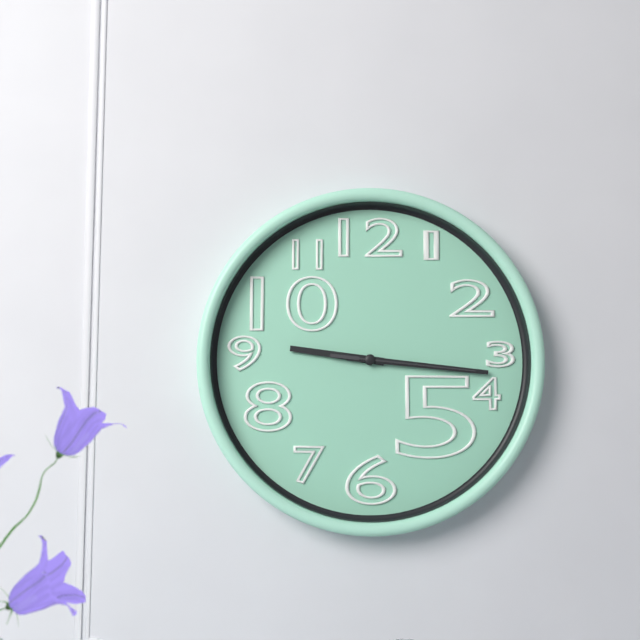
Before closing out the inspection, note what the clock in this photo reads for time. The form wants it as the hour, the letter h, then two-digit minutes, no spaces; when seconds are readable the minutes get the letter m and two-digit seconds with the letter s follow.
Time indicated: 9h16m16s
